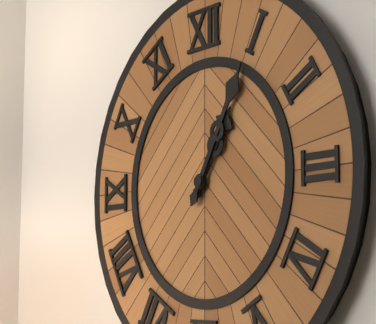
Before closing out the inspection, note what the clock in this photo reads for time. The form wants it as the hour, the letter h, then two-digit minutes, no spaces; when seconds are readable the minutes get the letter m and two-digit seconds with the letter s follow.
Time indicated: 1h05
